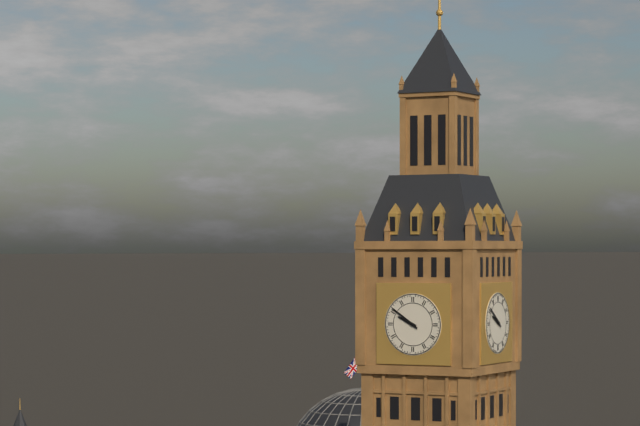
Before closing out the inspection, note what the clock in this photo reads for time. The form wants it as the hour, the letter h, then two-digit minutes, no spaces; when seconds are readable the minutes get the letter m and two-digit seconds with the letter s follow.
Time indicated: 9h51
